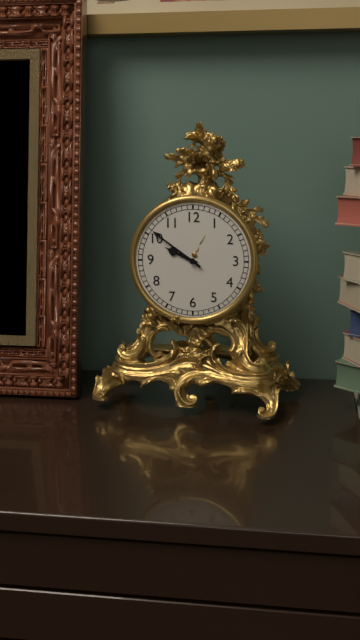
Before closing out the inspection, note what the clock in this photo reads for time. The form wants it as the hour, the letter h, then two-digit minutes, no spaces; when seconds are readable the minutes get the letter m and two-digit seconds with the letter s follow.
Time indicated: 9h51
